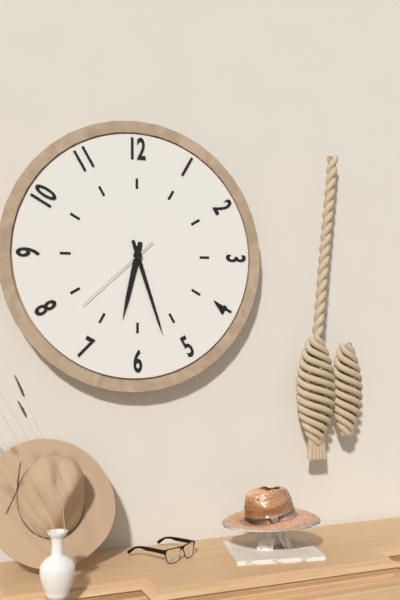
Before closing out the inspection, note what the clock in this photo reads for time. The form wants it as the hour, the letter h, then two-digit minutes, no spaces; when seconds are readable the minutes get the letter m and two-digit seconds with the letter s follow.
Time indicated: 6h27m38s
